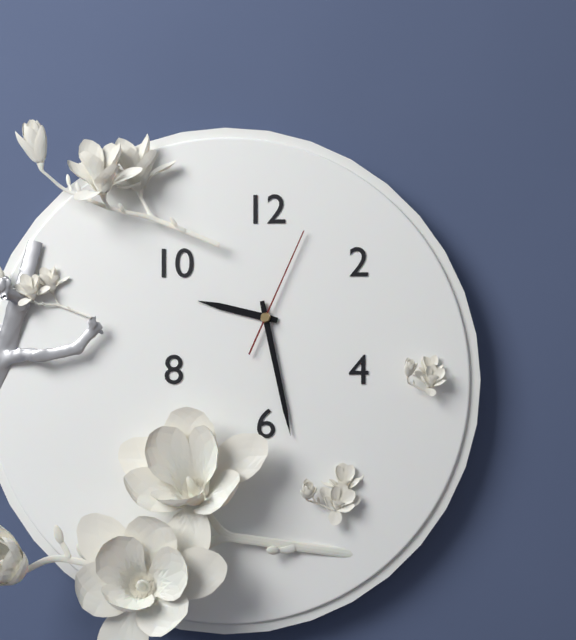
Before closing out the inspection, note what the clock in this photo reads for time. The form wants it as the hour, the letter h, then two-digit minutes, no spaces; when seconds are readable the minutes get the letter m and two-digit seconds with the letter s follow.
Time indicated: 9h28m04s
